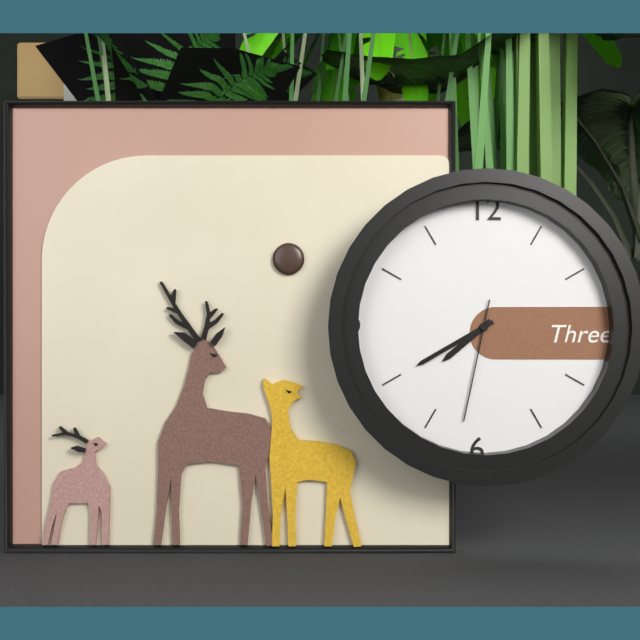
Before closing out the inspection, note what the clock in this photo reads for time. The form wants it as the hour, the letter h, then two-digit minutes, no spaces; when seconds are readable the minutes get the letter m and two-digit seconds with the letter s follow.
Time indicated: 7h40m32s
